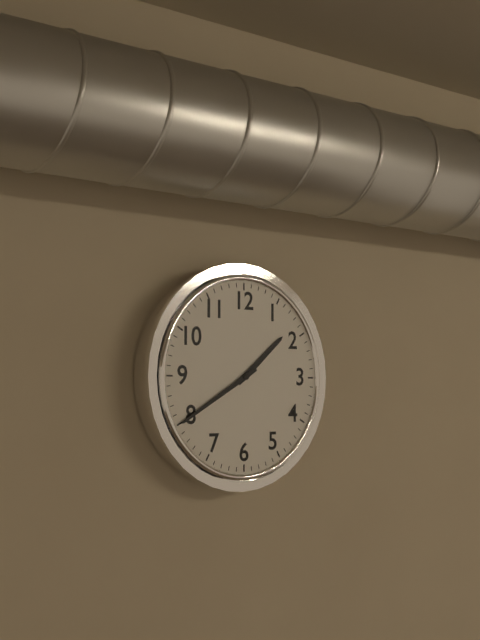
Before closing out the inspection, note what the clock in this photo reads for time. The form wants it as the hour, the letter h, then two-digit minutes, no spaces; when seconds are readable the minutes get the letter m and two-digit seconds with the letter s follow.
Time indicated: 1h40
